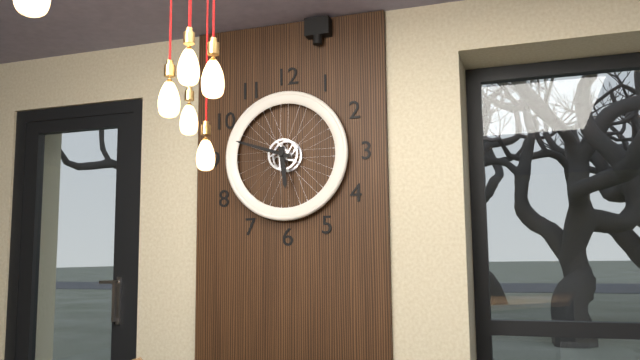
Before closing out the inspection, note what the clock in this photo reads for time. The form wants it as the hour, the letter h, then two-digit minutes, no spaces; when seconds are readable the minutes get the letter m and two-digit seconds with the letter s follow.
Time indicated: 5h48
